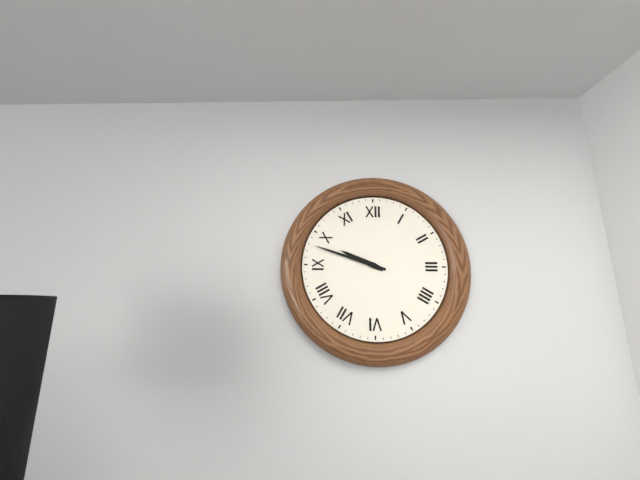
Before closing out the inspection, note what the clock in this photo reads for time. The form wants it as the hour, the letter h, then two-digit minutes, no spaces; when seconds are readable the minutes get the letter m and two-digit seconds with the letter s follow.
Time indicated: 9h48
